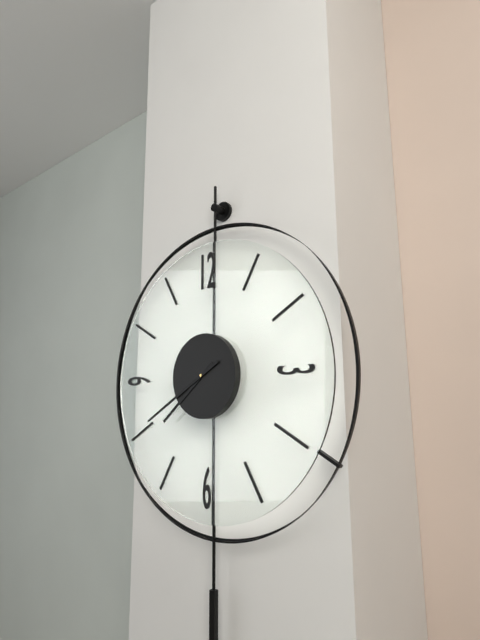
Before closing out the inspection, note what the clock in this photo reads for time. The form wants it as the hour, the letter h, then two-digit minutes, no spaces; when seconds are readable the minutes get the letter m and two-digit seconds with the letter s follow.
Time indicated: 7h40
